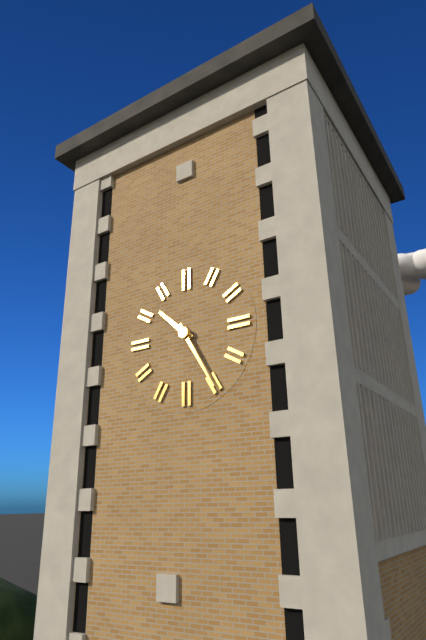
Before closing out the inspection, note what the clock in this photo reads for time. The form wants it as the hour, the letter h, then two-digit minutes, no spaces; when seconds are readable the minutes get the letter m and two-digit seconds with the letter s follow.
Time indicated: 10h25
